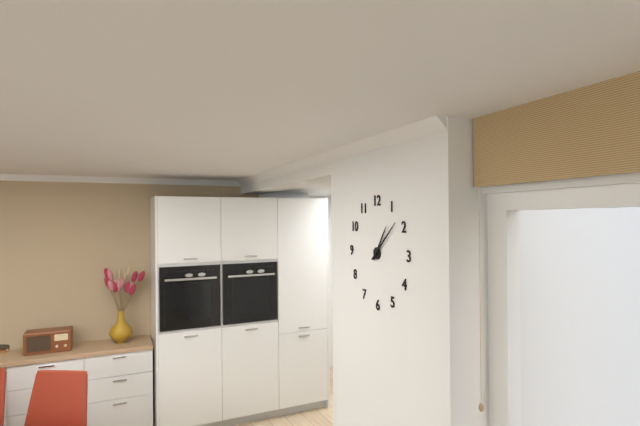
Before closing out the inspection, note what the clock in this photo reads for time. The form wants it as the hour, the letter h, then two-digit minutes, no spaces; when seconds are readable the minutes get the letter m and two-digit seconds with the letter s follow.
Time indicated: 1h08
